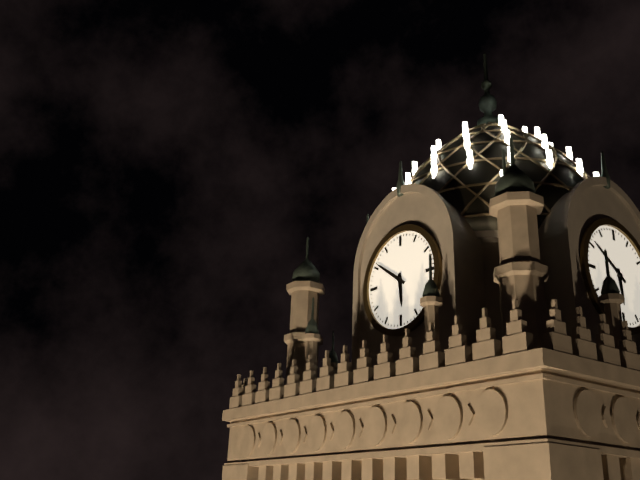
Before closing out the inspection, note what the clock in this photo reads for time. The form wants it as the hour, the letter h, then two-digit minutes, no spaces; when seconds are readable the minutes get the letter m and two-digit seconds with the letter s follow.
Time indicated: 5h51
